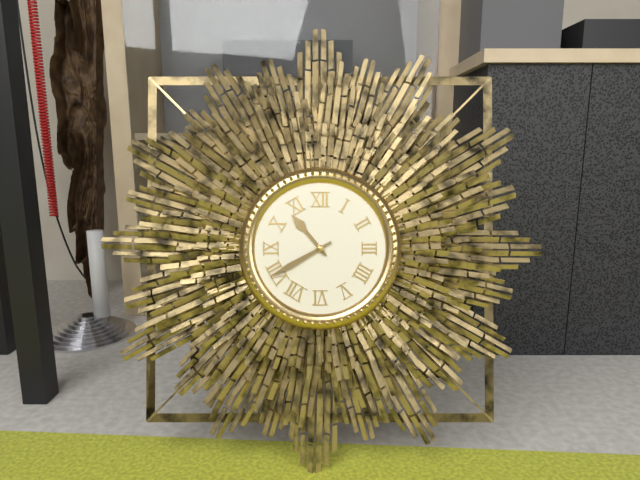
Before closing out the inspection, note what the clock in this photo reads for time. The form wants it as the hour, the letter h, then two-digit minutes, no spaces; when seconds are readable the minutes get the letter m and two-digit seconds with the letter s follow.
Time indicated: 10h40
